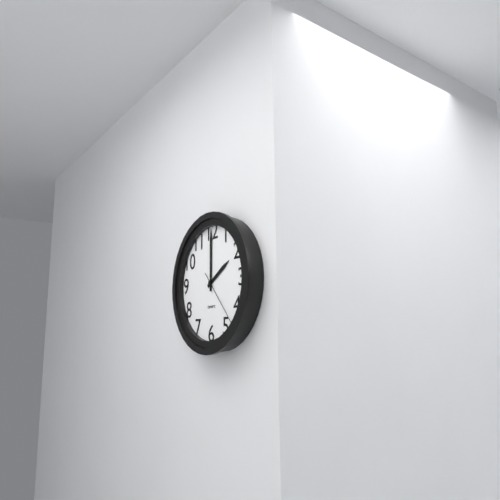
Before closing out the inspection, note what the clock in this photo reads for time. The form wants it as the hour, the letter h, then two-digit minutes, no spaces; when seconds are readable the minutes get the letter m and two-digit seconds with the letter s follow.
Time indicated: 2h00m23s
